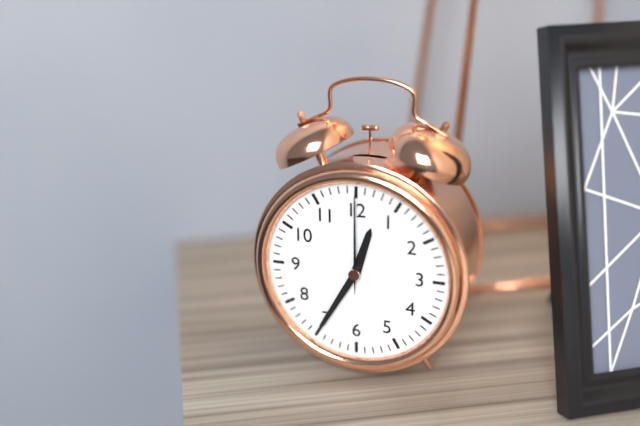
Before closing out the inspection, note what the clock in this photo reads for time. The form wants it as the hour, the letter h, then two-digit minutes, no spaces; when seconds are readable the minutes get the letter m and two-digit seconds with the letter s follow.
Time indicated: 12h35m00s
